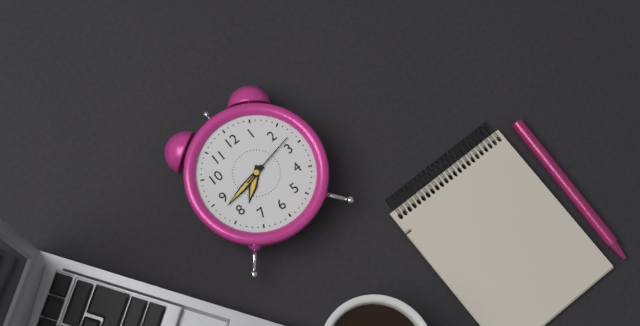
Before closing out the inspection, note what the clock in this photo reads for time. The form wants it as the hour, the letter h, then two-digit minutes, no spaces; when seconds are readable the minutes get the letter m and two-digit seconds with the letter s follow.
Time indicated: 7h43m13s
